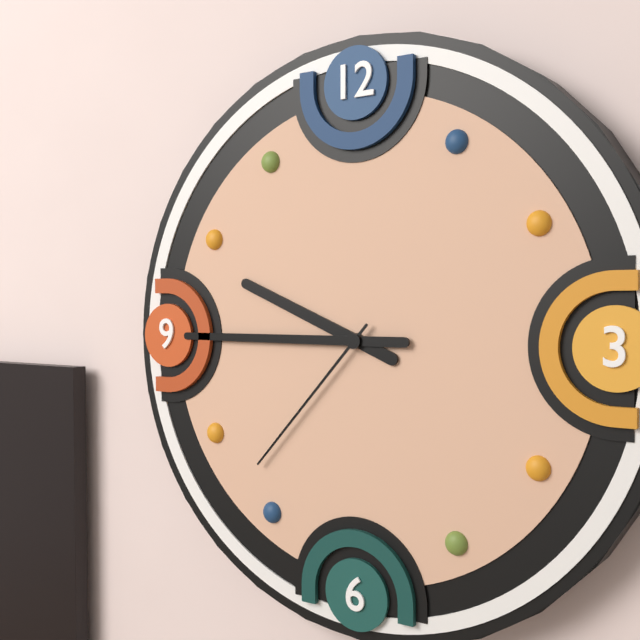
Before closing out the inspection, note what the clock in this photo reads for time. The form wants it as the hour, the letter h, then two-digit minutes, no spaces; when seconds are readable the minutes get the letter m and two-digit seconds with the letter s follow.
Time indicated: 9h45m37s
